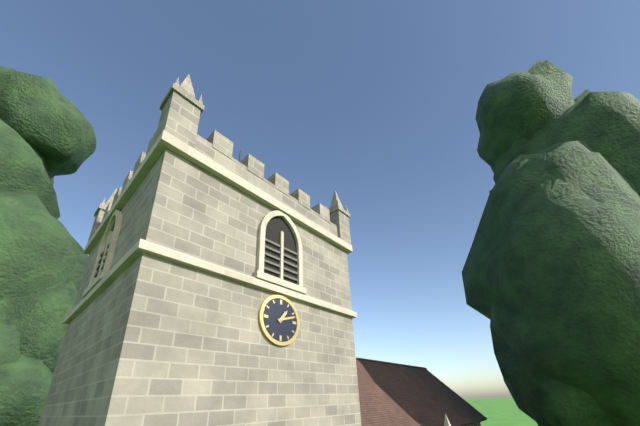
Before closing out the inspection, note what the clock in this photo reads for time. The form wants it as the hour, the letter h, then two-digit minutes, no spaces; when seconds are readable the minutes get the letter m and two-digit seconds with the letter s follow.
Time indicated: 1h12
